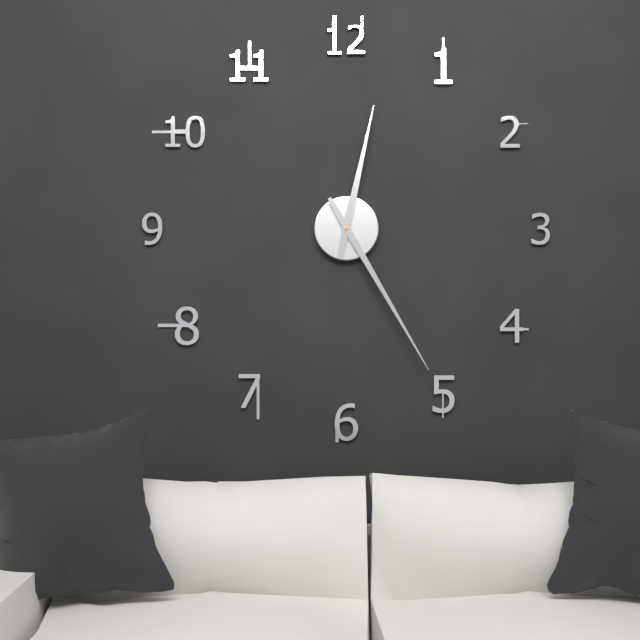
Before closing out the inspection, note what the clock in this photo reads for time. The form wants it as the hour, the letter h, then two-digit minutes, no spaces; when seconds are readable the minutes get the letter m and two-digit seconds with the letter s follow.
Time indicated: 12h25
